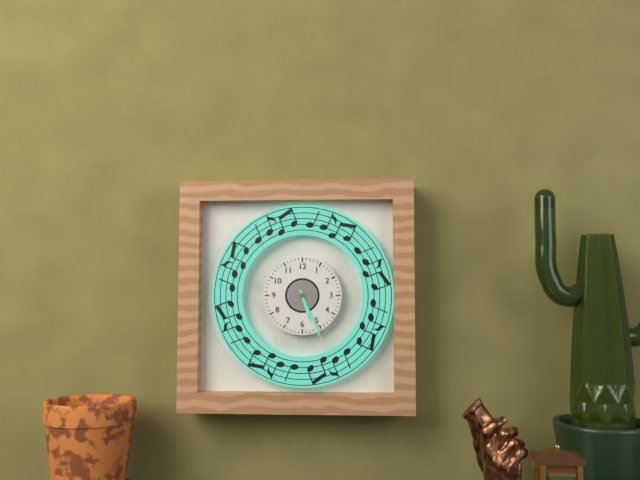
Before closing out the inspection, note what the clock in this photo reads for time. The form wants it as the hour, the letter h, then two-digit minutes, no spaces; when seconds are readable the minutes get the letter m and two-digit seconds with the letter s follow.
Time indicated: 5h26
